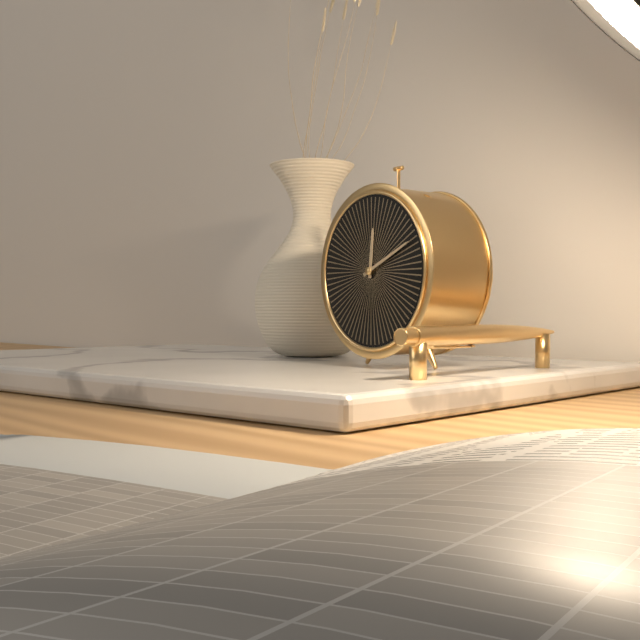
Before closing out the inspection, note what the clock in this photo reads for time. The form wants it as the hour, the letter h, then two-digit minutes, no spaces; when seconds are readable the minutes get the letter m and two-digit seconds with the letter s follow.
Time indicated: 12h11
